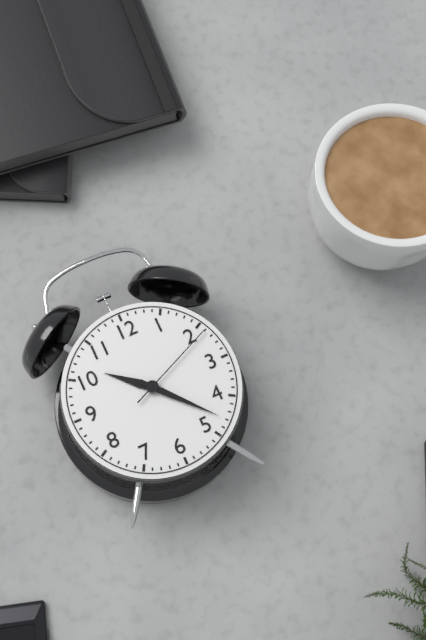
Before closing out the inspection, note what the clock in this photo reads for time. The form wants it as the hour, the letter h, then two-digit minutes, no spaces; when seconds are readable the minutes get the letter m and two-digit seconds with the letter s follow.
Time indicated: 10h23m11s
